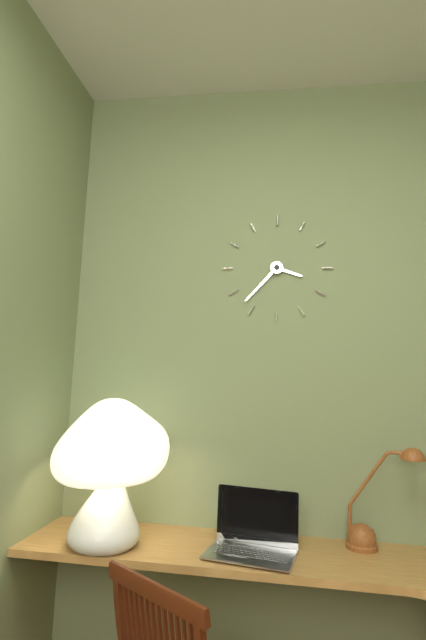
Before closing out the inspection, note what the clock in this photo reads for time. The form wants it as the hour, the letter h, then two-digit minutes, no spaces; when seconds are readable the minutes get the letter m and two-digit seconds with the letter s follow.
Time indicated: 3h37
